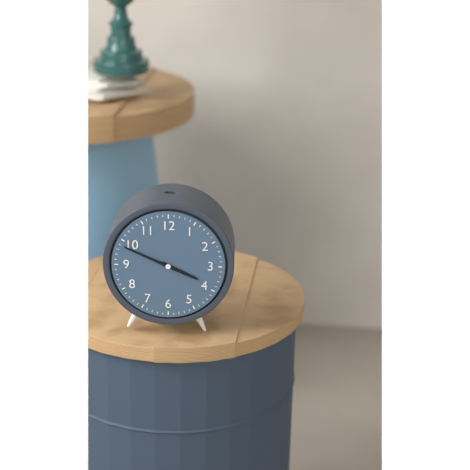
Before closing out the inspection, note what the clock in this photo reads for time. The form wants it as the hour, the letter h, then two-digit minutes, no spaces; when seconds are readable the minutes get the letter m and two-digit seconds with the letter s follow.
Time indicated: 3h49
